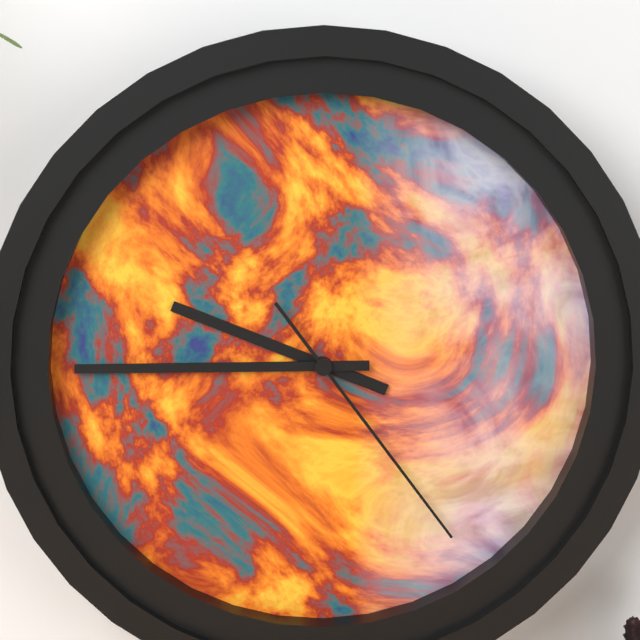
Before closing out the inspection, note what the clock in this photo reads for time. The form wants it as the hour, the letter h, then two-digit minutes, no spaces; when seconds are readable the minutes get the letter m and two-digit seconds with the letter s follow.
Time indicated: 9h45m24s
